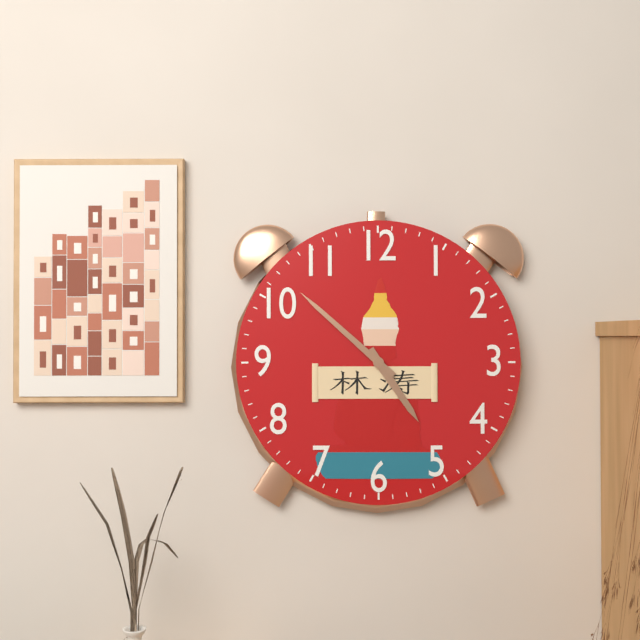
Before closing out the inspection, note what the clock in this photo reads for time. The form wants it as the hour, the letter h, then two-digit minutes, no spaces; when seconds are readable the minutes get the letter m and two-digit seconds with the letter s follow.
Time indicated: 4h52
